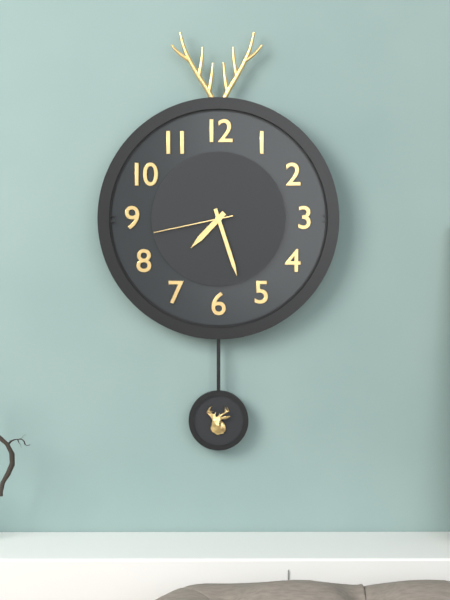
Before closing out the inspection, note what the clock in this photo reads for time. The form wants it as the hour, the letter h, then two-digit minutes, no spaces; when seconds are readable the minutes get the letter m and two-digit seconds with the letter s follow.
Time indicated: 7h27m43s
